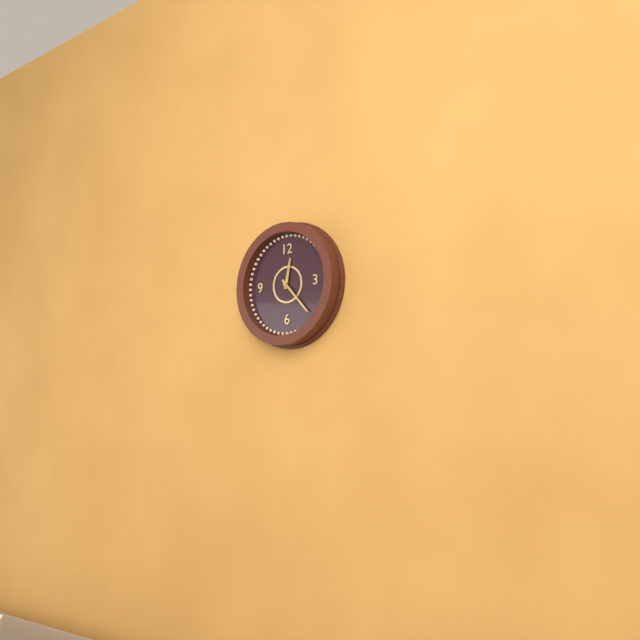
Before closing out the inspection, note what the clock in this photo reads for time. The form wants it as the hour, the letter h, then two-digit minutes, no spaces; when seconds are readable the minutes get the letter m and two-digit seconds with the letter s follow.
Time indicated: 12h23
